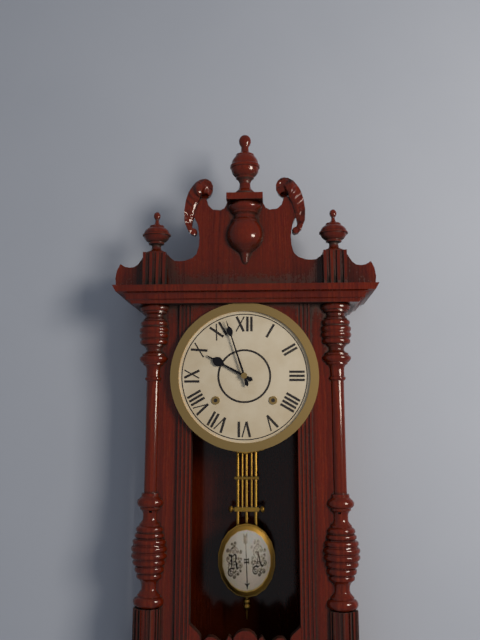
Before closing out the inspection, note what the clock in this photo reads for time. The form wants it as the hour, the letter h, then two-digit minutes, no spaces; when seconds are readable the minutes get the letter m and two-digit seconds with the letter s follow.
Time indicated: 9h57
